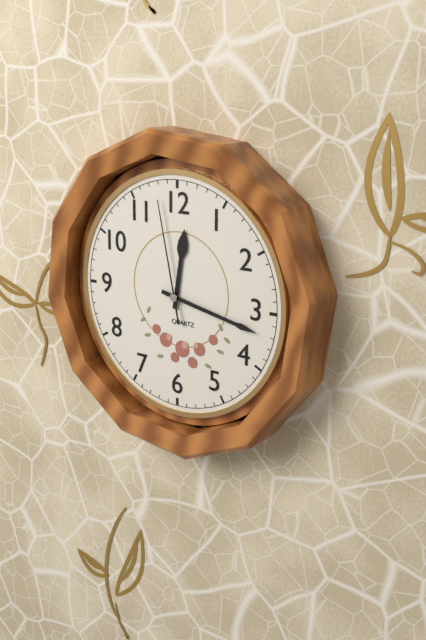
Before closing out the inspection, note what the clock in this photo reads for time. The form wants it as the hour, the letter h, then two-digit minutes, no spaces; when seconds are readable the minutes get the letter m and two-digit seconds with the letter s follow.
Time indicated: 12h17m58s
